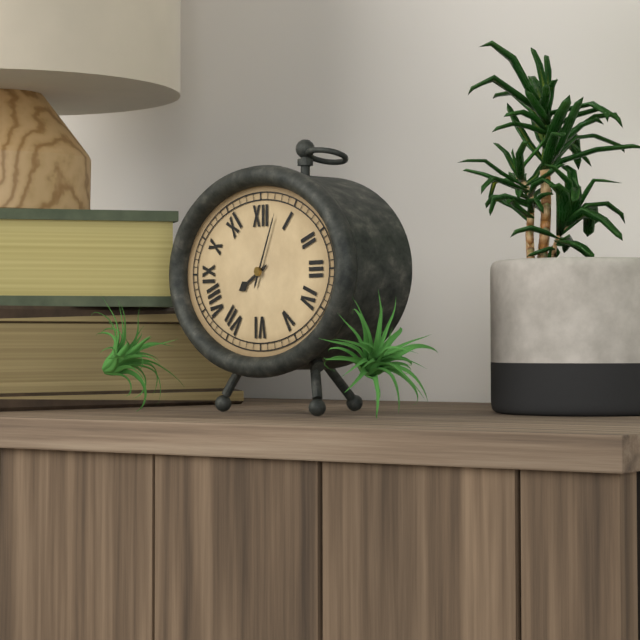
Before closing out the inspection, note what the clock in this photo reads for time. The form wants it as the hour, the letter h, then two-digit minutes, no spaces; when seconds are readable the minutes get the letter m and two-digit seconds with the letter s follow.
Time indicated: 8h04
